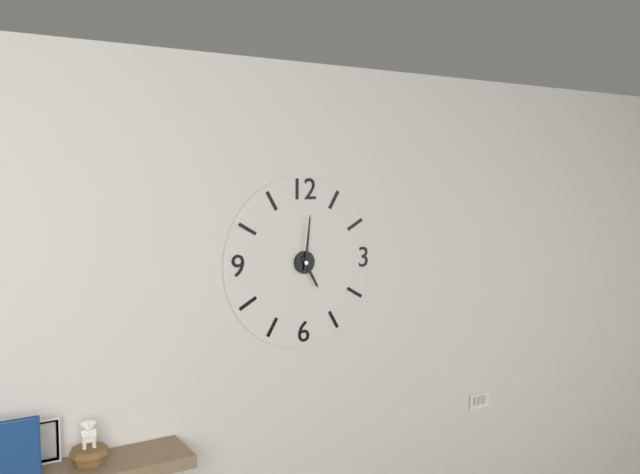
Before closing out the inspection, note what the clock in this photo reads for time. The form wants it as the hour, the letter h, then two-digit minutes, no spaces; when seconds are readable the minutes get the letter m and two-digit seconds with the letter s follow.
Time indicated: 5h01
